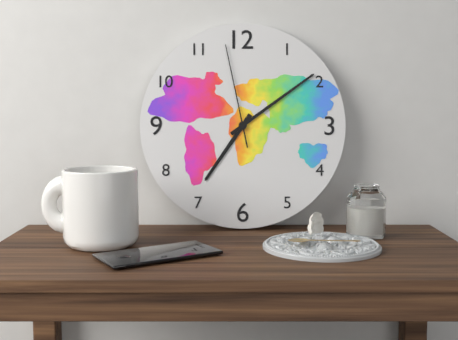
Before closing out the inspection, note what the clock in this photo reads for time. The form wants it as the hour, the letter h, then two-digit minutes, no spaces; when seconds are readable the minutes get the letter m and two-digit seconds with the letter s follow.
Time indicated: 7h09m58s
